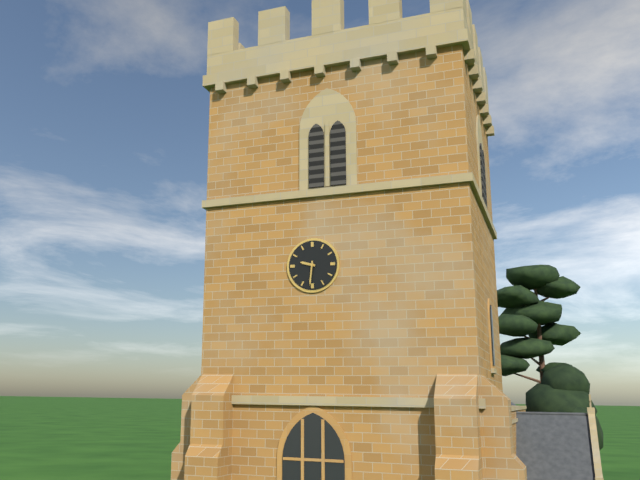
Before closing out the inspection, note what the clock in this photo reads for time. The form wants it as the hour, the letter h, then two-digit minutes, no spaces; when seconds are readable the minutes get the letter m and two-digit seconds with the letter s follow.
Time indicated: 9h31
